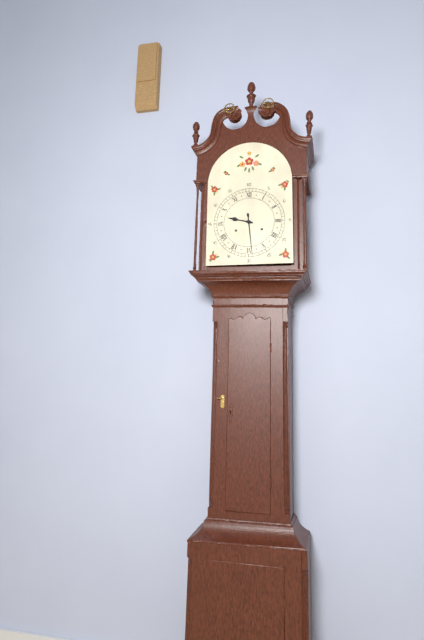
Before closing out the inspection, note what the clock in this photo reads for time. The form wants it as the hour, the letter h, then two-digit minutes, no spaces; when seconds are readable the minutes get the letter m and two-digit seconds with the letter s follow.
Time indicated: 9h29
